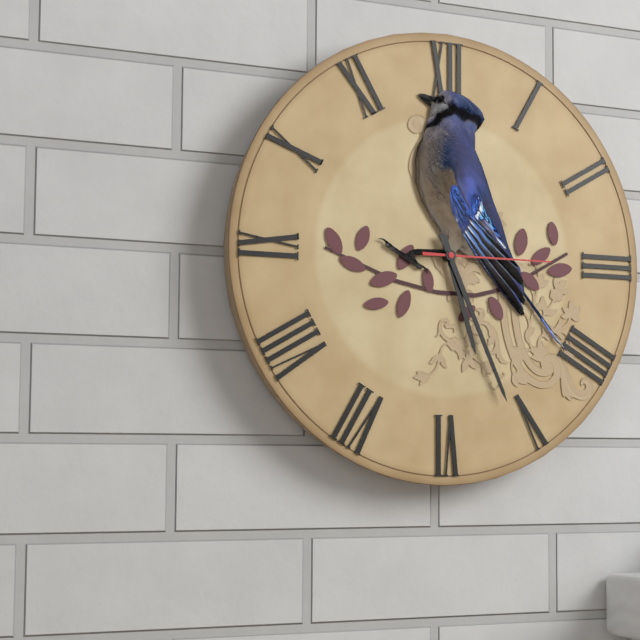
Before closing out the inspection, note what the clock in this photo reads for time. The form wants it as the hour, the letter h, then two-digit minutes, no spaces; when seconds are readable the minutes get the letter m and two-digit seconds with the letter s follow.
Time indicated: 5h26m15s
